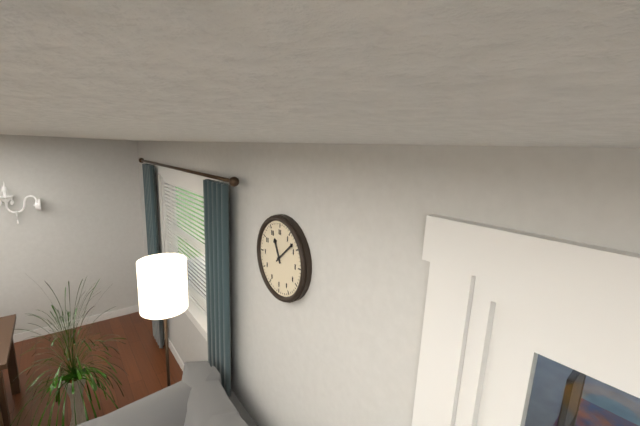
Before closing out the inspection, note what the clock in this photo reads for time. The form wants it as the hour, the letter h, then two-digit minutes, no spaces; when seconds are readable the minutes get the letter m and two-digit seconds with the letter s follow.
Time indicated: 11h08
